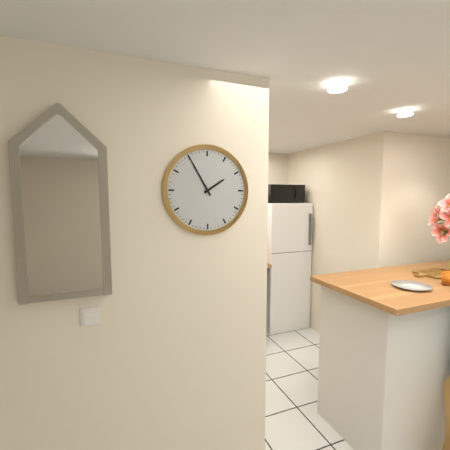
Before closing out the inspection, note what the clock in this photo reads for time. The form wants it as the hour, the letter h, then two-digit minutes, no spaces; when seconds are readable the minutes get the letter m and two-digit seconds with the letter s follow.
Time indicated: 1h55
